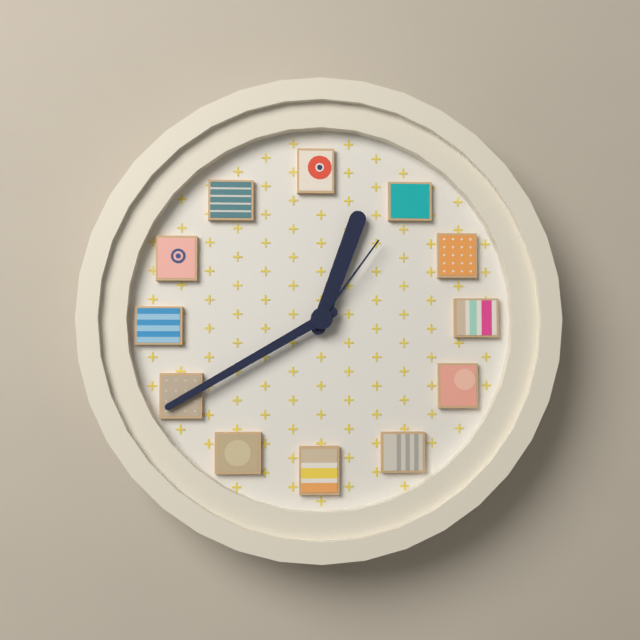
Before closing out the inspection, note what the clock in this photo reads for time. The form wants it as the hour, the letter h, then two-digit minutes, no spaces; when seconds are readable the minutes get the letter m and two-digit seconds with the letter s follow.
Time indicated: 12h40m06s
